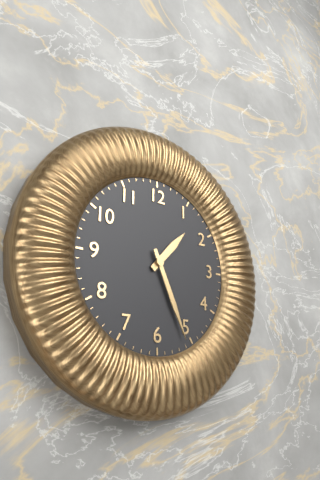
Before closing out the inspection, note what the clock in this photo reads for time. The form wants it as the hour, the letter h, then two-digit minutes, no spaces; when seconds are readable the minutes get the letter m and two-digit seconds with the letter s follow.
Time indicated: 1h26
